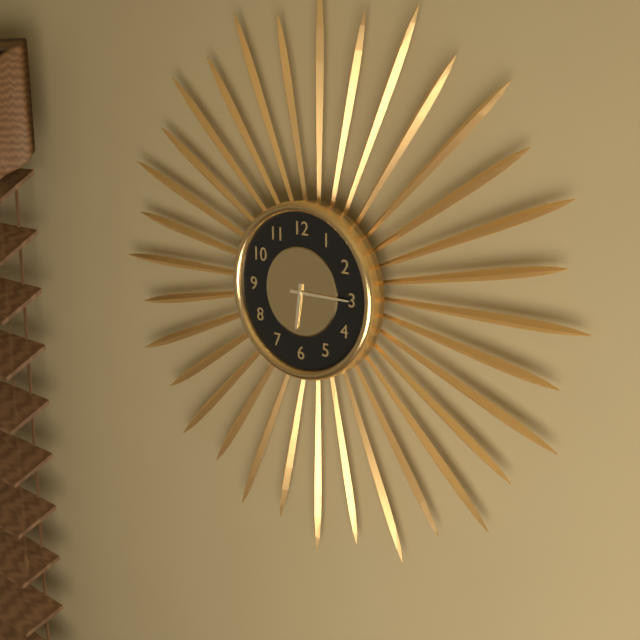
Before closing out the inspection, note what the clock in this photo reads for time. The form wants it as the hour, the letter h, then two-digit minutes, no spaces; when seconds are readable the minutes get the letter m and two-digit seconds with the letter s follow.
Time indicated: 6h15
